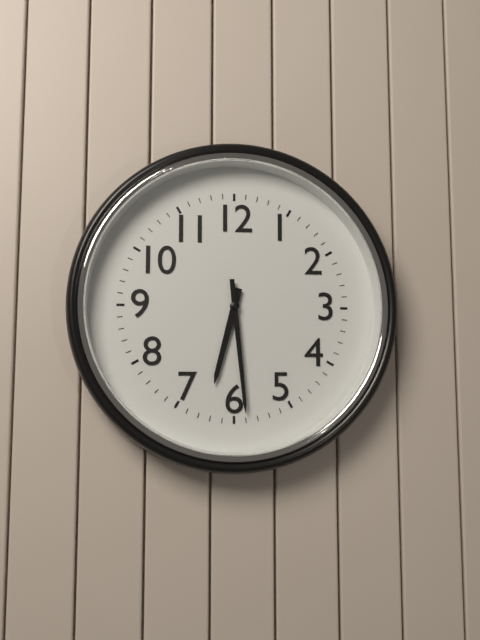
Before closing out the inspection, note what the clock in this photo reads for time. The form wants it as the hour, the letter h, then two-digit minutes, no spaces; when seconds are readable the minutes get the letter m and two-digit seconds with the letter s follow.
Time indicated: 6h29
